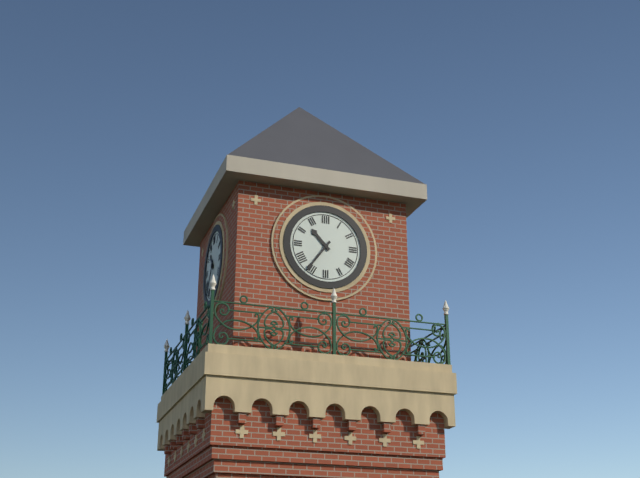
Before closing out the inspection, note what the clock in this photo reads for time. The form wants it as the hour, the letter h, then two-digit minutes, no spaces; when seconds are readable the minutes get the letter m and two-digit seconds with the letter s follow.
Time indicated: 10h36
